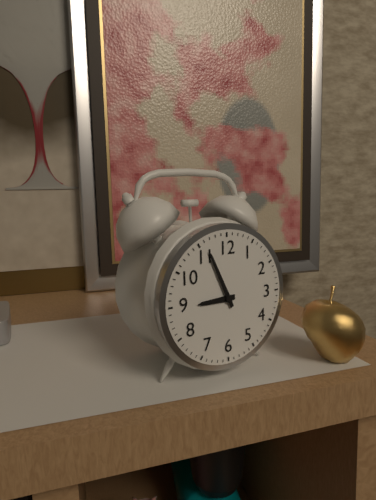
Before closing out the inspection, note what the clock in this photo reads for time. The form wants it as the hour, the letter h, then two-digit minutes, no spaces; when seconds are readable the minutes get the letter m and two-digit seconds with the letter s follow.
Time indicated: 8h56
